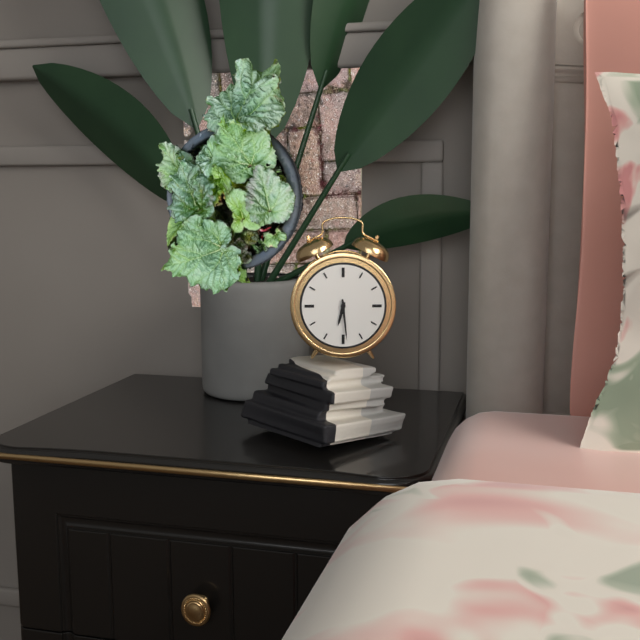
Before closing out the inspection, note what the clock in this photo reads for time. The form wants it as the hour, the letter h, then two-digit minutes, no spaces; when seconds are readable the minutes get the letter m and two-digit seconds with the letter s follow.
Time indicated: 6h29
